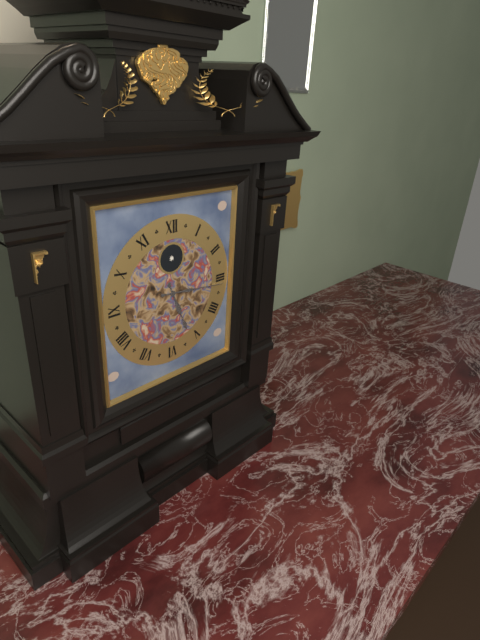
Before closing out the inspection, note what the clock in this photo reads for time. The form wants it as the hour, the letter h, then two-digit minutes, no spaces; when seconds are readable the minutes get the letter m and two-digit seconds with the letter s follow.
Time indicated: 5h16
